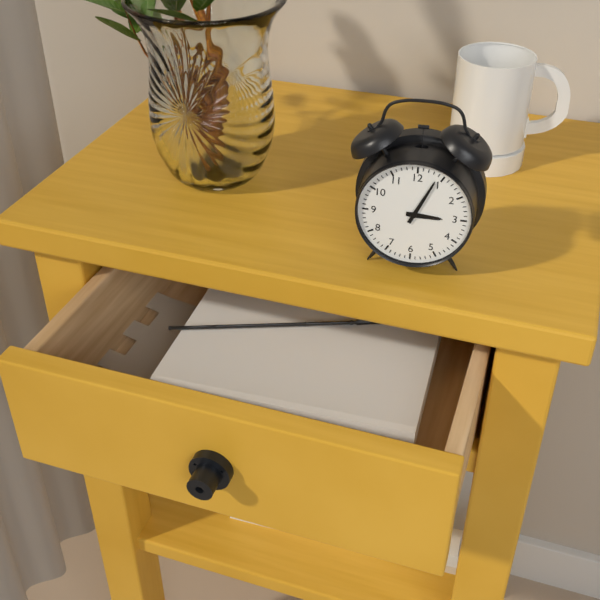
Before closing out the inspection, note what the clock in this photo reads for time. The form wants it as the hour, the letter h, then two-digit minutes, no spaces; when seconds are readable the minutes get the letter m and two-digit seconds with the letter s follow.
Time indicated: 3h04
